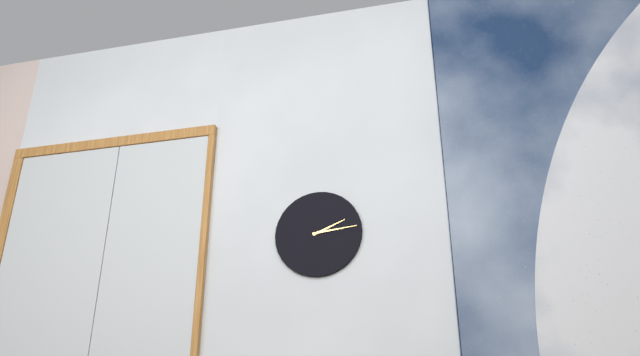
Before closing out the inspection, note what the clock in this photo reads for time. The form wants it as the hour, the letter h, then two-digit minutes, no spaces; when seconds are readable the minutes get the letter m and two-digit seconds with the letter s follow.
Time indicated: 2h14
